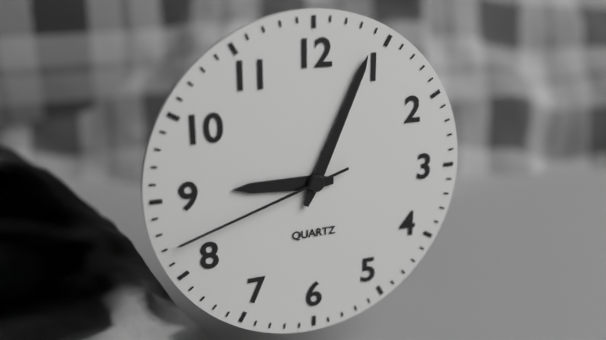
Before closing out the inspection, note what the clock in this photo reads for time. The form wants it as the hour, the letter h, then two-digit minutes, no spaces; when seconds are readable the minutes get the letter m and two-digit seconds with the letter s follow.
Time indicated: 9h04m42s
